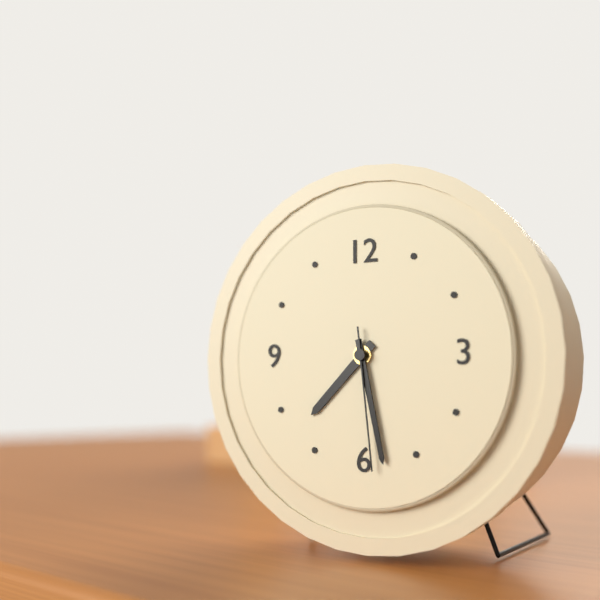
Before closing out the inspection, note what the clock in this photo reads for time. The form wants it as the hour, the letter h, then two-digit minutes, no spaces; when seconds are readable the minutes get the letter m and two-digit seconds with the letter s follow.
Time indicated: 7h28m29s
